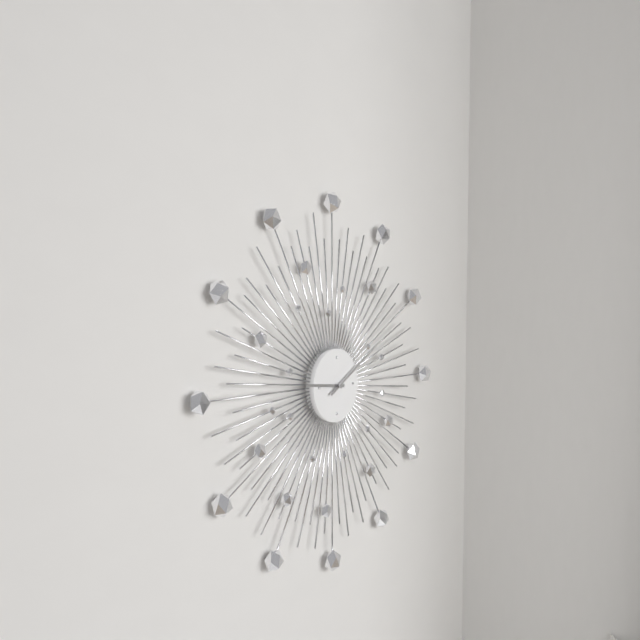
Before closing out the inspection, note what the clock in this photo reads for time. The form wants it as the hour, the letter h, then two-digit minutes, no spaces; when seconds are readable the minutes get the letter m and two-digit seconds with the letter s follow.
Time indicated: 9h10
